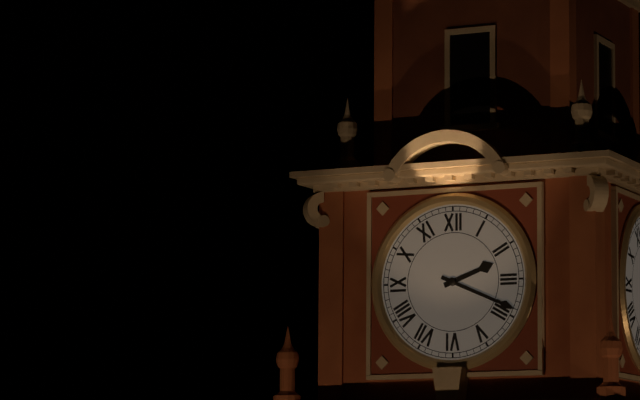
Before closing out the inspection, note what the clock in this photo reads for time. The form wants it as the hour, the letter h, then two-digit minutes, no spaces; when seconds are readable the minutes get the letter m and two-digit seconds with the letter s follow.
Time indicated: 2h19
